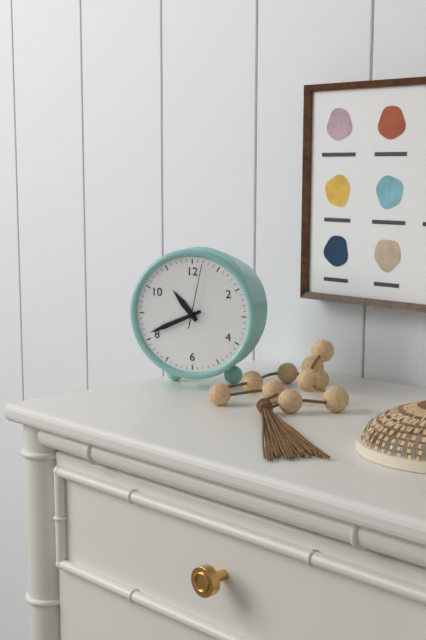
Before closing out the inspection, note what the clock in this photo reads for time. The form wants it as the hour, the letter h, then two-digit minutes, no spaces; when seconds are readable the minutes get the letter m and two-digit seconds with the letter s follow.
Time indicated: 10h41m02s
